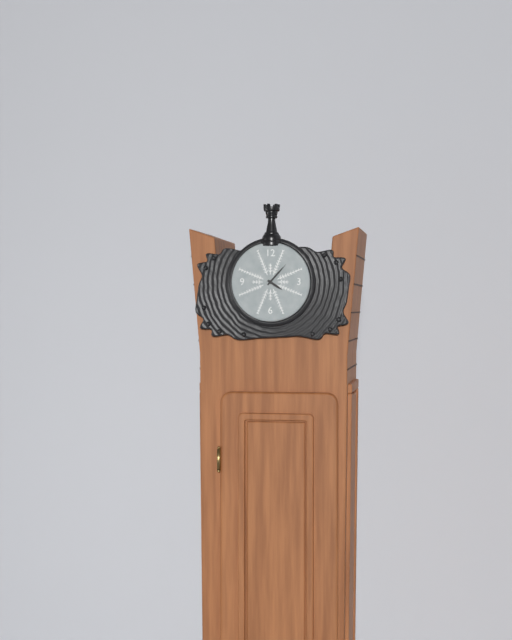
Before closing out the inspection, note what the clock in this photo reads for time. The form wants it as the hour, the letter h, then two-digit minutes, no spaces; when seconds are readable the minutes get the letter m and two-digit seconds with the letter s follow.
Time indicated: 4h07
